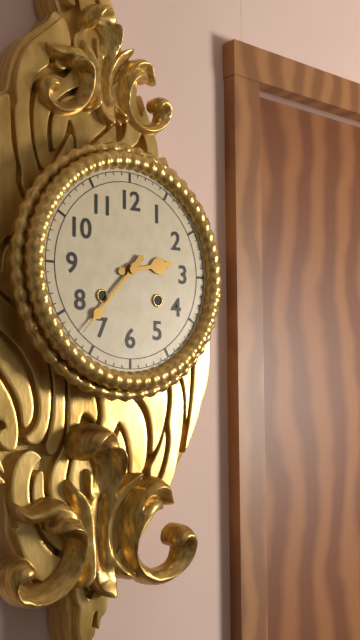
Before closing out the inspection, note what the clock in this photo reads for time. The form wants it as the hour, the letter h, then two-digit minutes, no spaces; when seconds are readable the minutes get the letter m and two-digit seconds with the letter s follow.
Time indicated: 2h37
